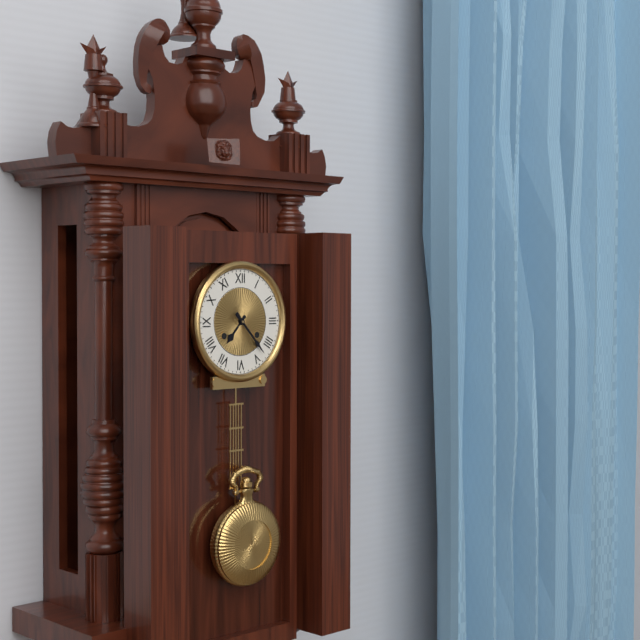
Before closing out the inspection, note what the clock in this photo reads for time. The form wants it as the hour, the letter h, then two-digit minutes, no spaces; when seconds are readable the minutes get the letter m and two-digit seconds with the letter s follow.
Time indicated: 7h23
